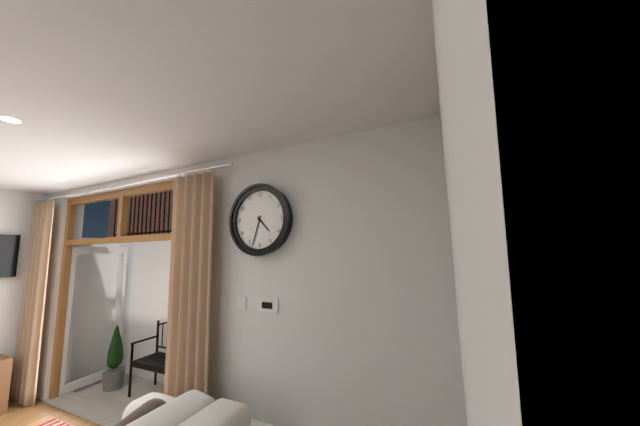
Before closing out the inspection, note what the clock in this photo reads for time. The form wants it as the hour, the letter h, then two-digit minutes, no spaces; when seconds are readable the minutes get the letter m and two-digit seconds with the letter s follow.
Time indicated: 4h33
